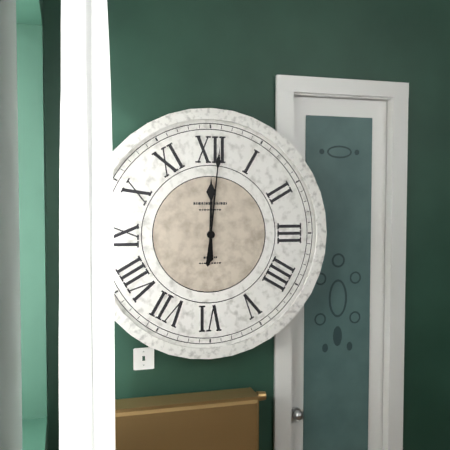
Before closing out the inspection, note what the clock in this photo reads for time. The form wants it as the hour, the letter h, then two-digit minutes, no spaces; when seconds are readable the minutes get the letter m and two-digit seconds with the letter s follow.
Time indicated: 12h01
